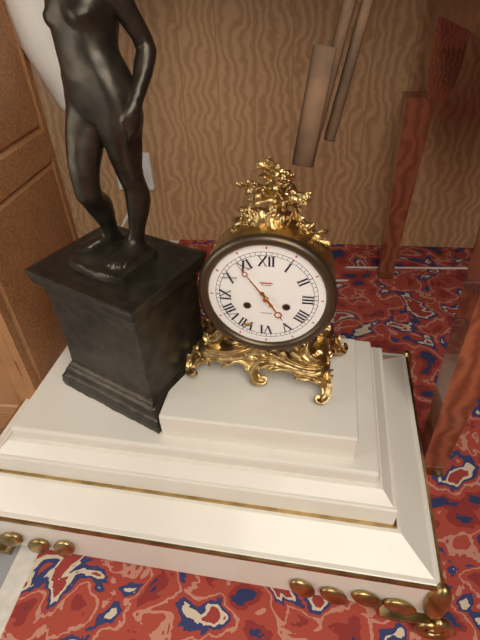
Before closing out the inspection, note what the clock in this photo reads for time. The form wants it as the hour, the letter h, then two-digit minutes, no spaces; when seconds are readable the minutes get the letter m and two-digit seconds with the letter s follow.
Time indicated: 4h54
